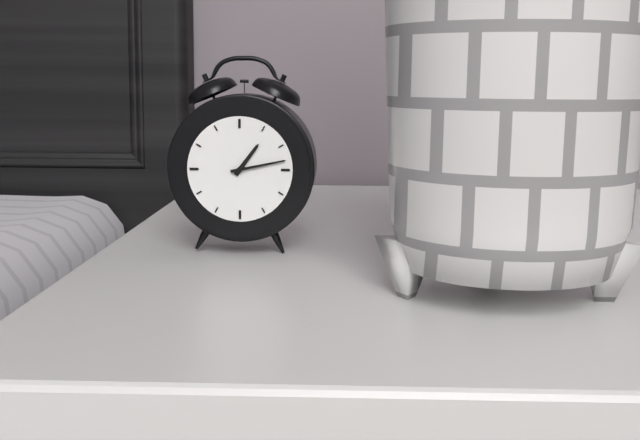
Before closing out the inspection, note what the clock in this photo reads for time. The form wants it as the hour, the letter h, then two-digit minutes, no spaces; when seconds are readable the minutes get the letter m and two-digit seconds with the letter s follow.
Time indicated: 1h13
